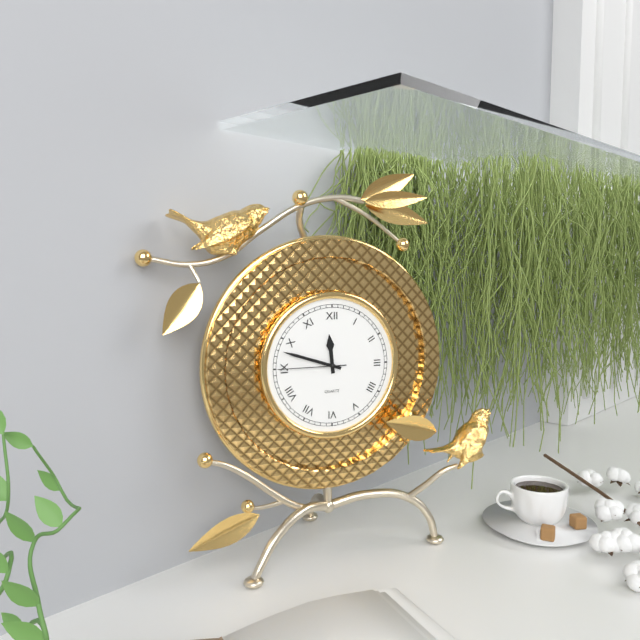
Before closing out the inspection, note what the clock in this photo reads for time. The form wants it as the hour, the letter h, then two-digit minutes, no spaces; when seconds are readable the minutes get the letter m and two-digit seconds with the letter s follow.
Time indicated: 11h48m45s
